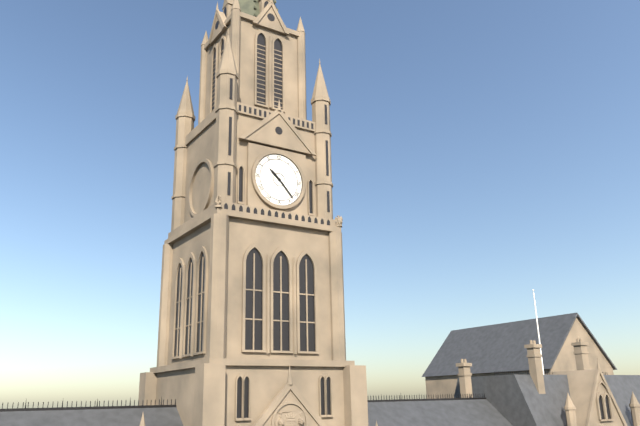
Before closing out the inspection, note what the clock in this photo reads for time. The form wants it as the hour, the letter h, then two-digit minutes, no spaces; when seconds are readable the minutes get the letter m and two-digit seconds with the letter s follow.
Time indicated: 10h23
